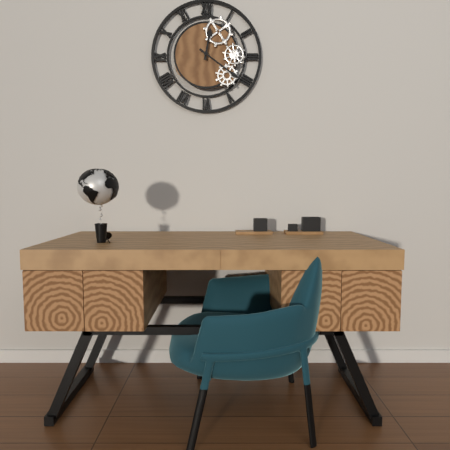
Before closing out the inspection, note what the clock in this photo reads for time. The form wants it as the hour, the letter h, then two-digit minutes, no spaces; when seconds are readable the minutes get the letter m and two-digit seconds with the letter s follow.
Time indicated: 12h21
